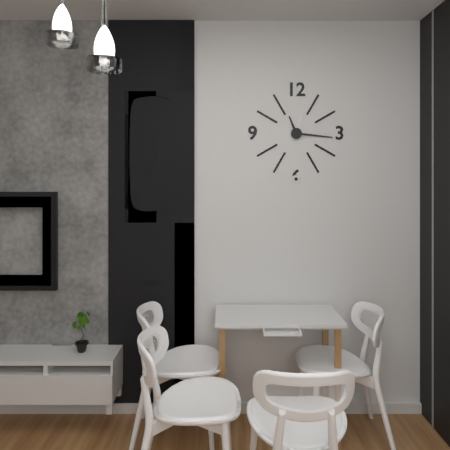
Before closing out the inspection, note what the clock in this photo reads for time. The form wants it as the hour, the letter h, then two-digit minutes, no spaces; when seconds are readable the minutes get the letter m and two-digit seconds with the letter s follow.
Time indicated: 11h16
